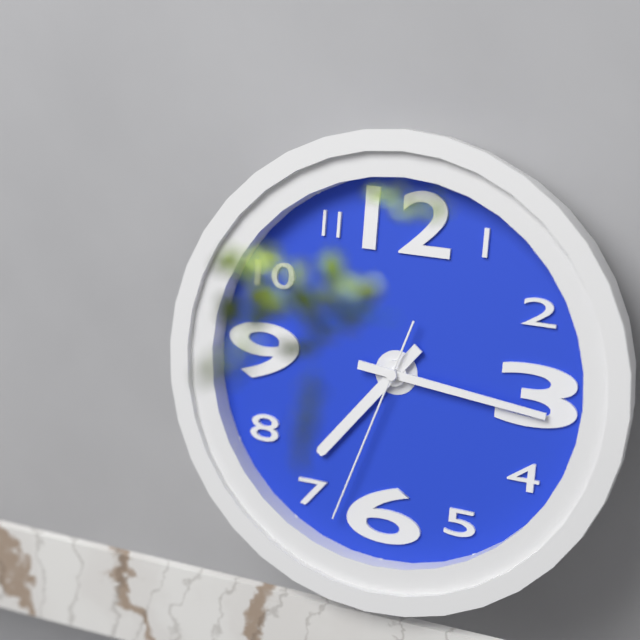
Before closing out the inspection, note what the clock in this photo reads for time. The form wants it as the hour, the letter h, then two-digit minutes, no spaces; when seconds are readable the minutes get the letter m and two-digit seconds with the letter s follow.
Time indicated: 7h16m33s
